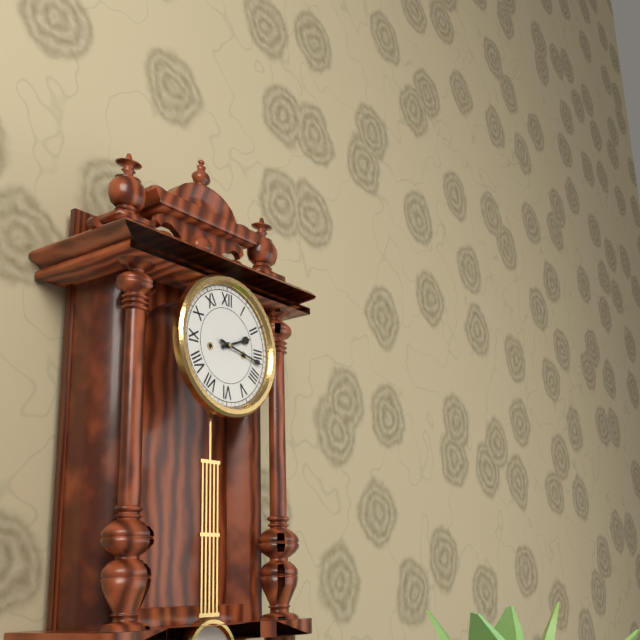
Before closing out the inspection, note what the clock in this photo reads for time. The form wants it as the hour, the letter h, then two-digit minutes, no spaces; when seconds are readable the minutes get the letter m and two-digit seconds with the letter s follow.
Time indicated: 2h17
